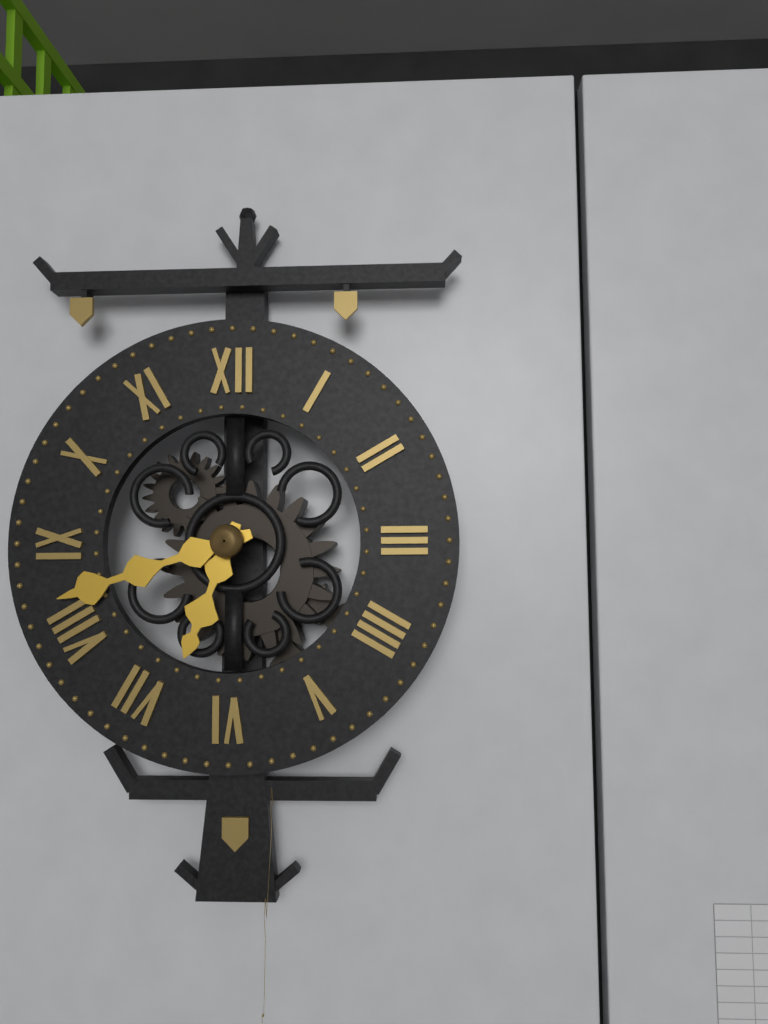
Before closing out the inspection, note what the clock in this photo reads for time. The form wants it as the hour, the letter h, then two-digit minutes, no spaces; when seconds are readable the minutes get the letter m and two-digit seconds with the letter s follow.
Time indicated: 6h42
